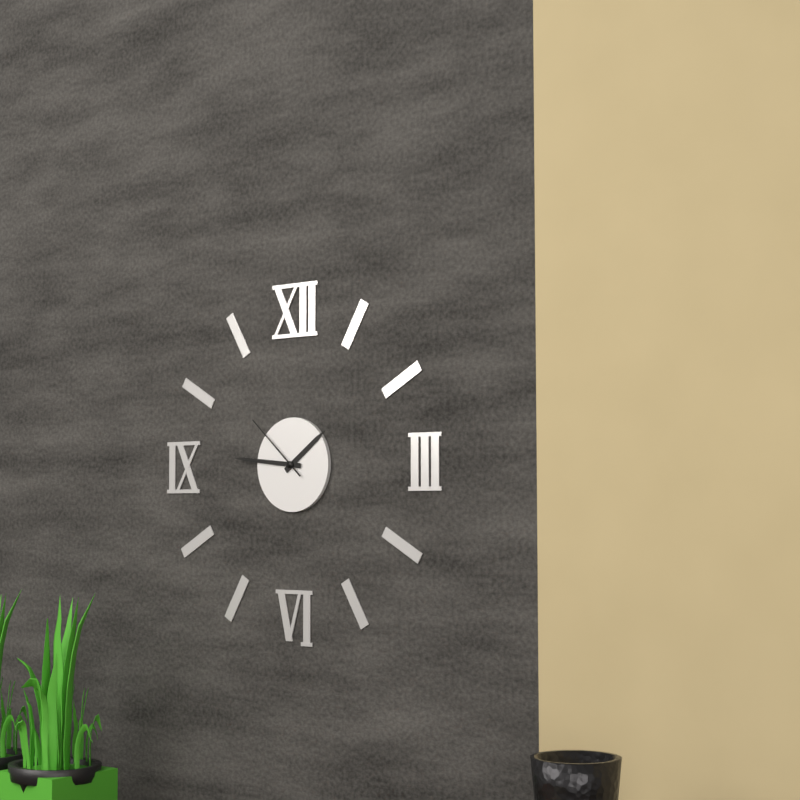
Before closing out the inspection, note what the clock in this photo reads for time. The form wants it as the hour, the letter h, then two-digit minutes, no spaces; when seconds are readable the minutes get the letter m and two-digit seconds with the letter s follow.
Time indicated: 1h46m52s
